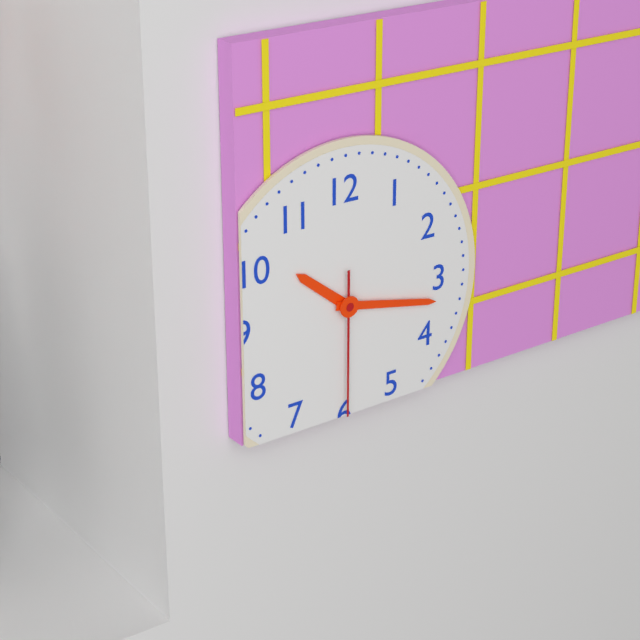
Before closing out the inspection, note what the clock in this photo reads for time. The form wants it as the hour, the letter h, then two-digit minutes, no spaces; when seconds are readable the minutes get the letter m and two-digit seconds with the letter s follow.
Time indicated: 10h17m30s
